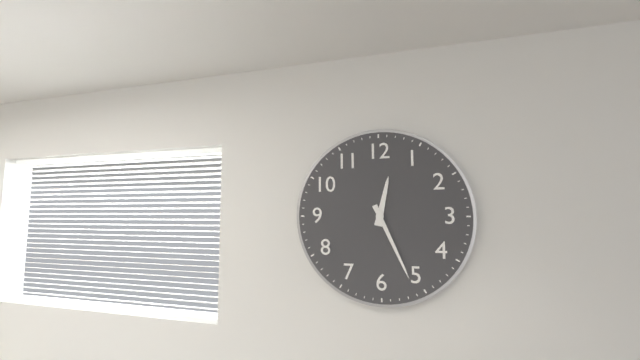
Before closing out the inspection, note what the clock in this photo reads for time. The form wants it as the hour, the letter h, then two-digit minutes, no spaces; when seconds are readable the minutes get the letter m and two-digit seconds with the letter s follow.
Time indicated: 12h26
